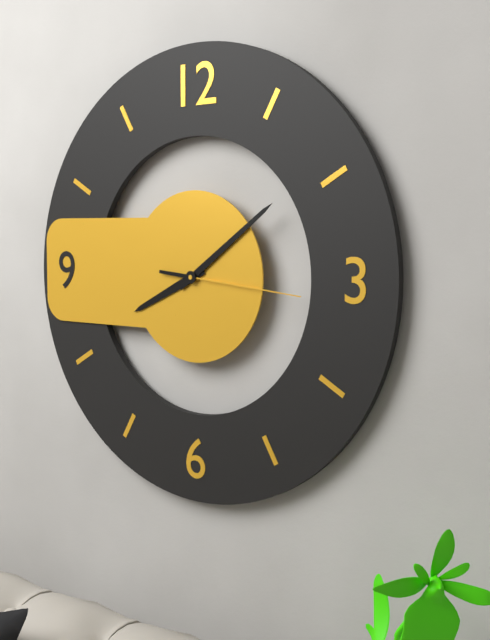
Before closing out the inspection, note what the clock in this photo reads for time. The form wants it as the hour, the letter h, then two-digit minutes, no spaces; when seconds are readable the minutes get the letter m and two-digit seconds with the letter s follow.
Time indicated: 8h09m16s
